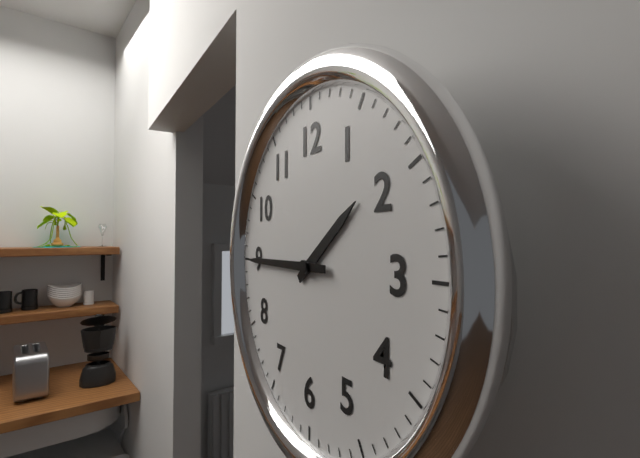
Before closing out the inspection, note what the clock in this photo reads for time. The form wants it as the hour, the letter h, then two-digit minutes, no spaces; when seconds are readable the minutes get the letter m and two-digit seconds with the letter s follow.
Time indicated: 1h45
